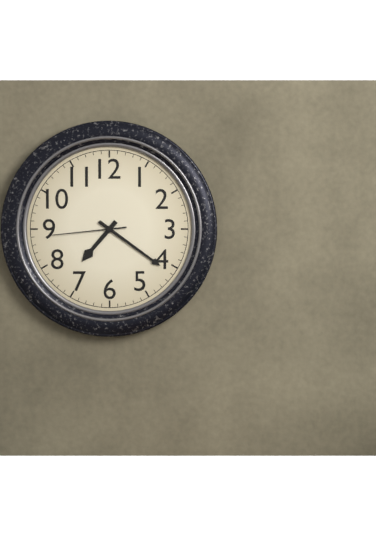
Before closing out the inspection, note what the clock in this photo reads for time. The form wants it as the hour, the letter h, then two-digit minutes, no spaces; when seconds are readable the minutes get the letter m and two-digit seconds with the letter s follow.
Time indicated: 7h21m44s
